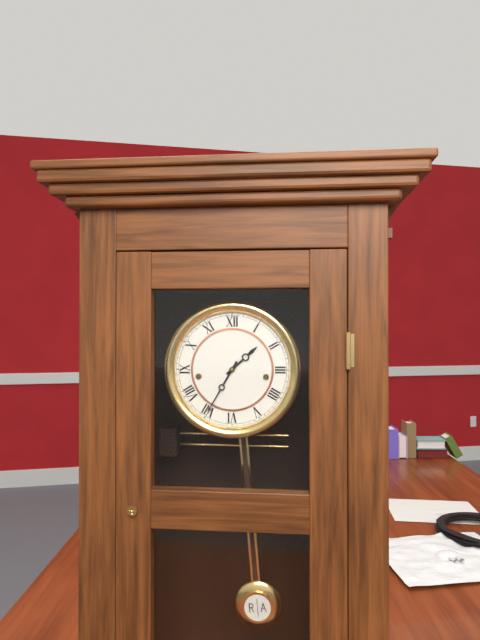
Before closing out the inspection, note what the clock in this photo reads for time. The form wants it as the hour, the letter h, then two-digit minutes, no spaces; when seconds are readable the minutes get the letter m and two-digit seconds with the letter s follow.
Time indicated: 1h35
